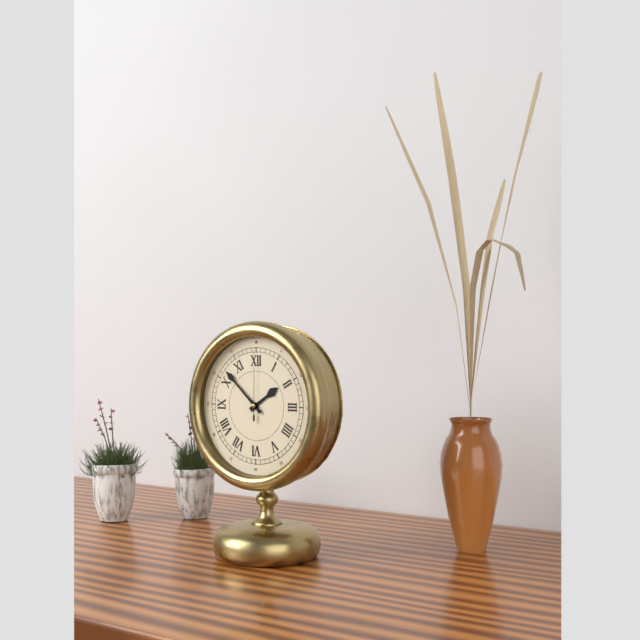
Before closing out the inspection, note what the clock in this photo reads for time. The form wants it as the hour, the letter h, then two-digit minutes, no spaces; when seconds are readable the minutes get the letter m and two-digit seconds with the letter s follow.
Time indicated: 1h52m00s
